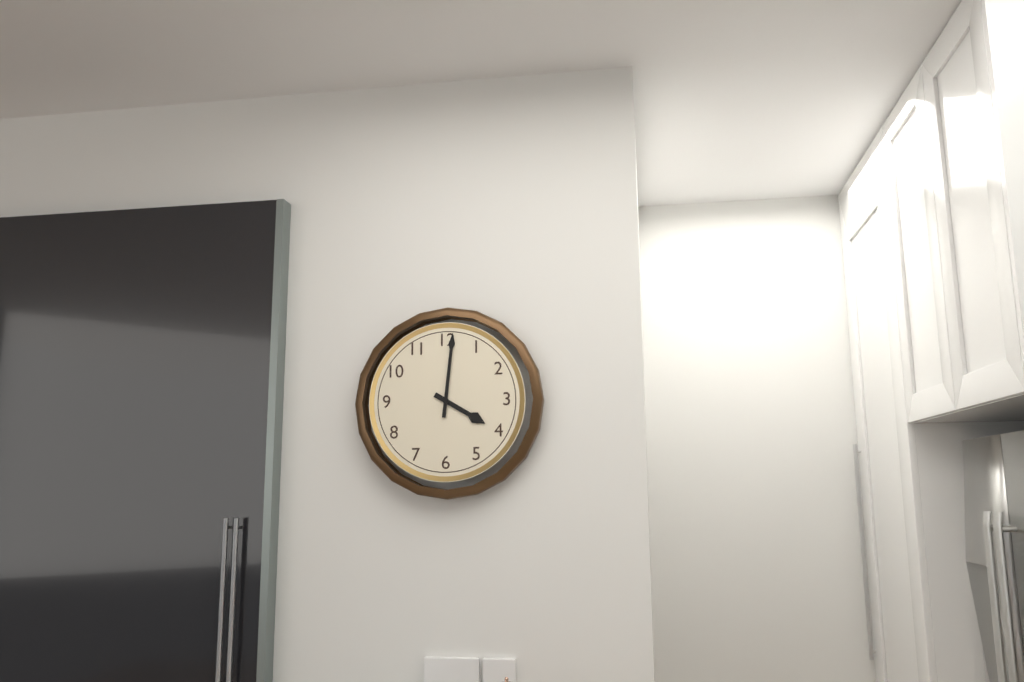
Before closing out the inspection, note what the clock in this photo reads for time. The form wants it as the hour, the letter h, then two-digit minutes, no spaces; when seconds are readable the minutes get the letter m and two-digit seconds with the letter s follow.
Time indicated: 4h01
